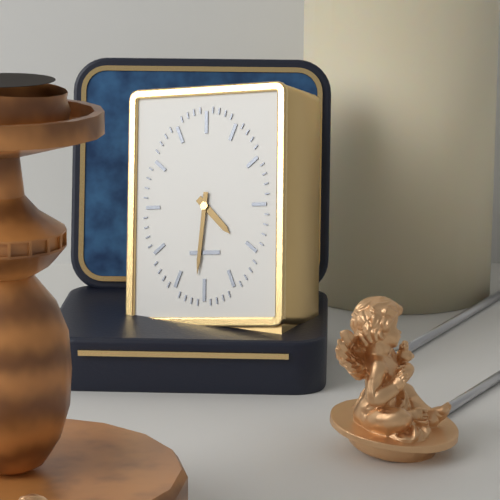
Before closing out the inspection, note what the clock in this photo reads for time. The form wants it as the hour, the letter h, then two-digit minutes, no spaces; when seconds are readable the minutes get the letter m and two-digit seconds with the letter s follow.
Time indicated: 4h31
